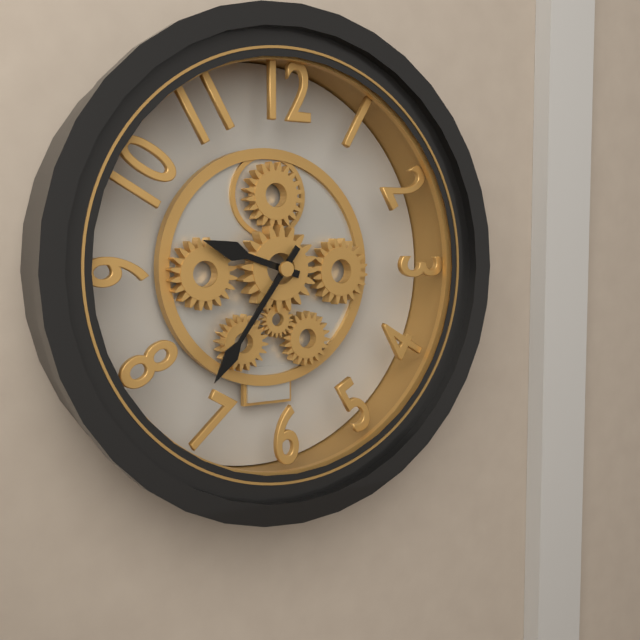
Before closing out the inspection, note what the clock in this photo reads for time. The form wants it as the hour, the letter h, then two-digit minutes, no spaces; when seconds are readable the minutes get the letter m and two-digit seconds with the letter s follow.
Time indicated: 9h36
